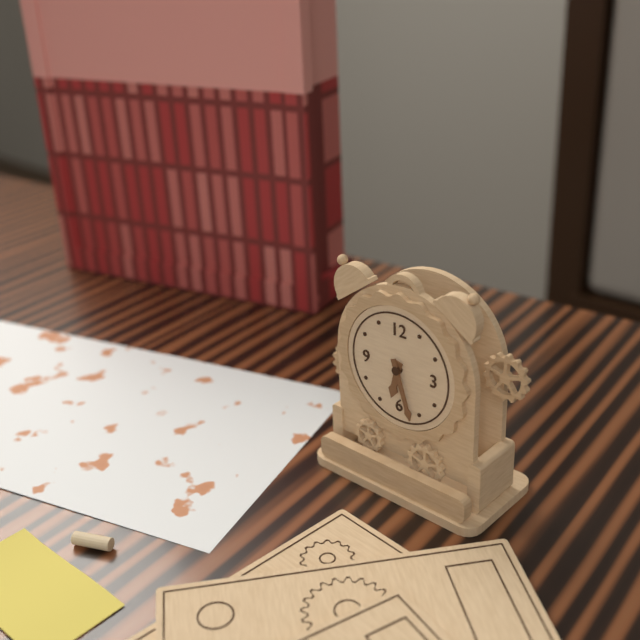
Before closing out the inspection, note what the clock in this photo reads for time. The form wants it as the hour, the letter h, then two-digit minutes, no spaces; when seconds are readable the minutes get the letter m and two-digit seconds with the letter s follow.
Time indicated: 6h27
